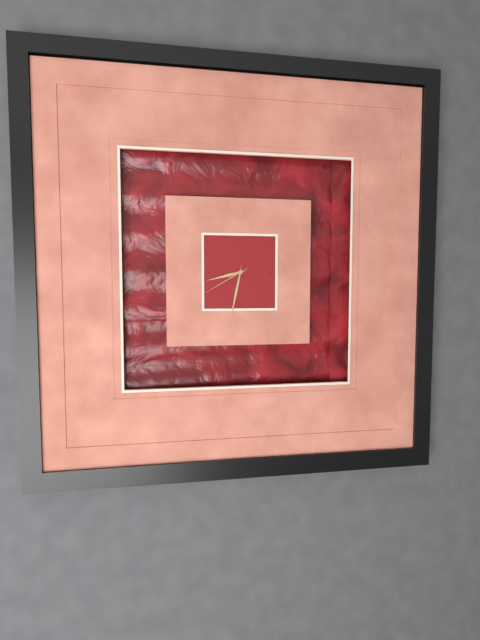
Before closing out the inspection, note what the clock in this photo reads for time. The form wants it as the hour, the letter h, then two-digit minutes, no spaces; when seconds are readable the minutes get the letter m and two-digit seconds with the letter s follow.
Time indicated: 8h32m40s
